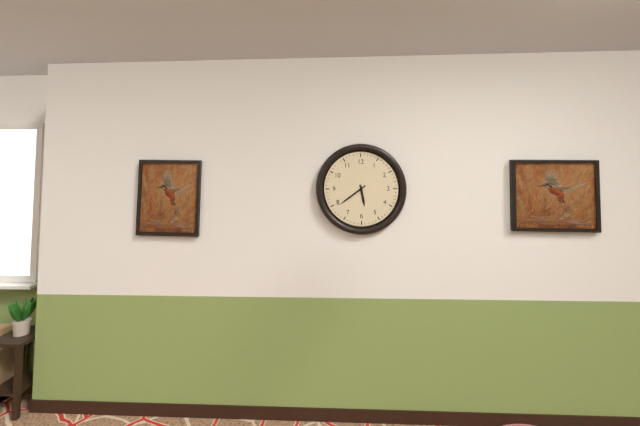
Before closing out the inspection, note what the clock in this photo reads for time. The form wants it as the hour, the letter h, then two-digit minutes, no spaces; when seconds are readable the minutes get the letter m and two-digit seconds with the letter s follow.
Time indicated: 5h39
